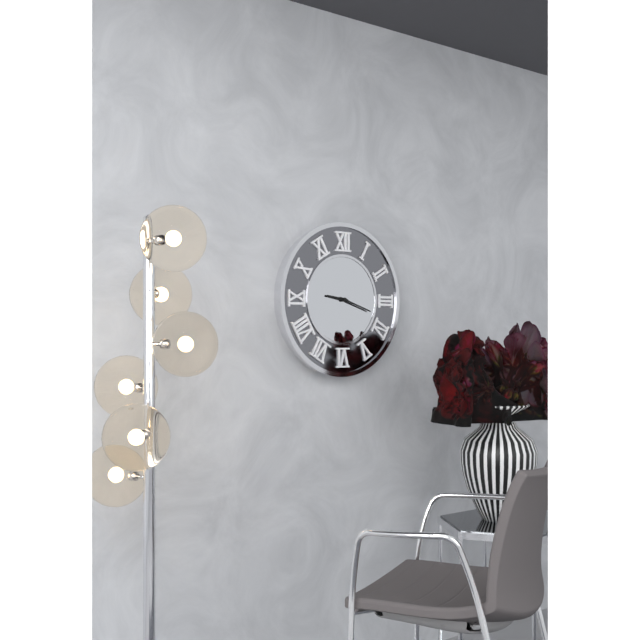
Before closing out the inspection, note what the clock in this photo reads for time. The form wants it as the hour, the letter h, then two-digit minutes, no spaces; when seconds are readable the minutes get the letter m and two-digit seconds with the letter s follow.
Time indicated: 9h18
